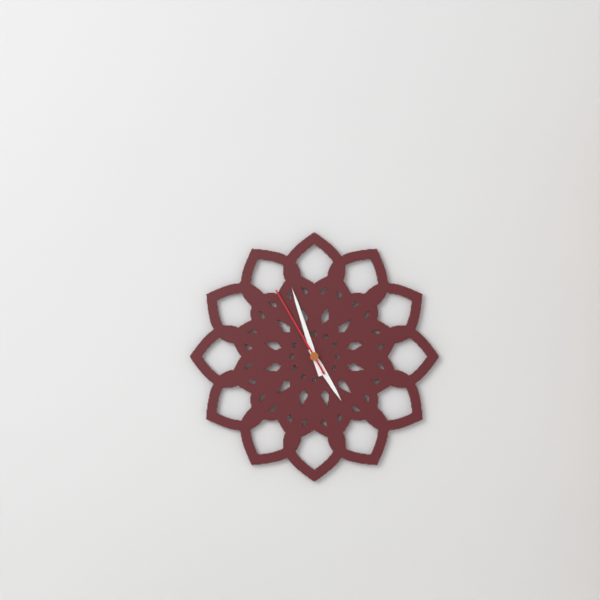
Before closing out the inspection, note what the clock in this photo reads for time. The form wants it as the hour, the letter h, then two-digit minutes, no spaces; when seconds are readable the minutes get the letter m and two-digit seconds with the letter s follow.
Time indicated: 4h57m55s
